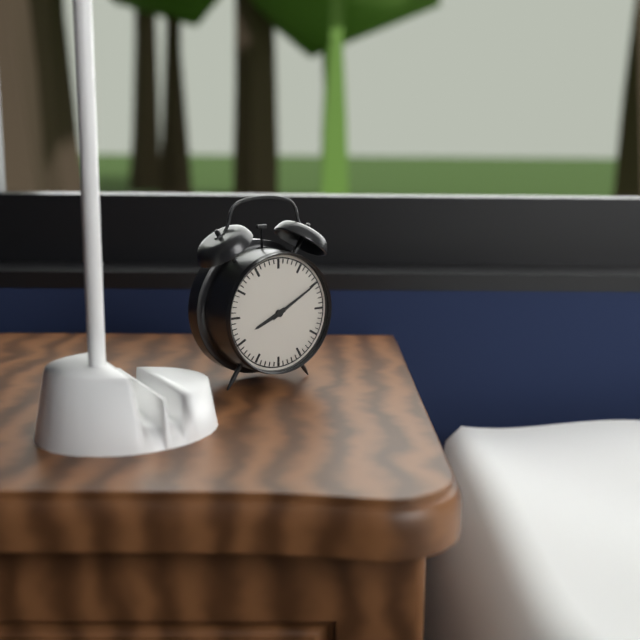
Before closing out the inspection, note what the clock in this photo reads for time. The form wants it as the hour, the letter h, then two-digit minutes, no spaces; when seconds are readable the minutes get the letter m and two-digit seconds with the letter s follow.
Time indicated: 8h10
